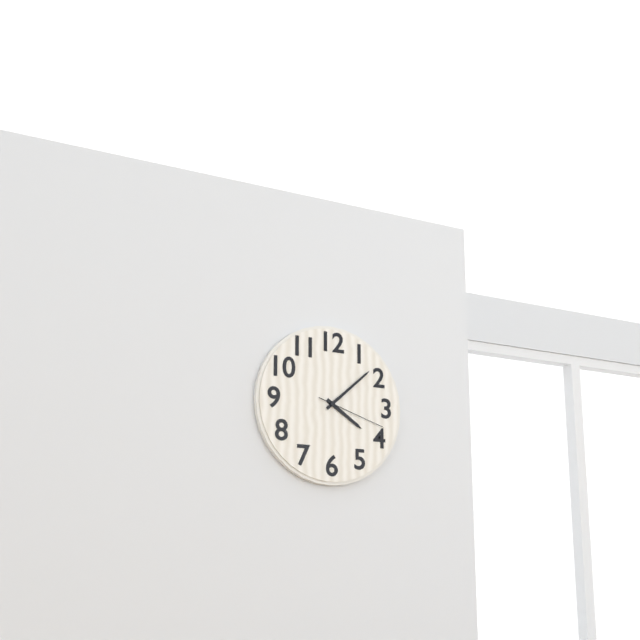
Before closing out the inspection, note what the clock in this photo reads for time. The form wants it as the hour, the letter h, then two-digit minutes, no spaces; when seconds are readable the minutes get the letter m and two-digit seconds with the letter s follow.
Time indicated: 4h08m18s
